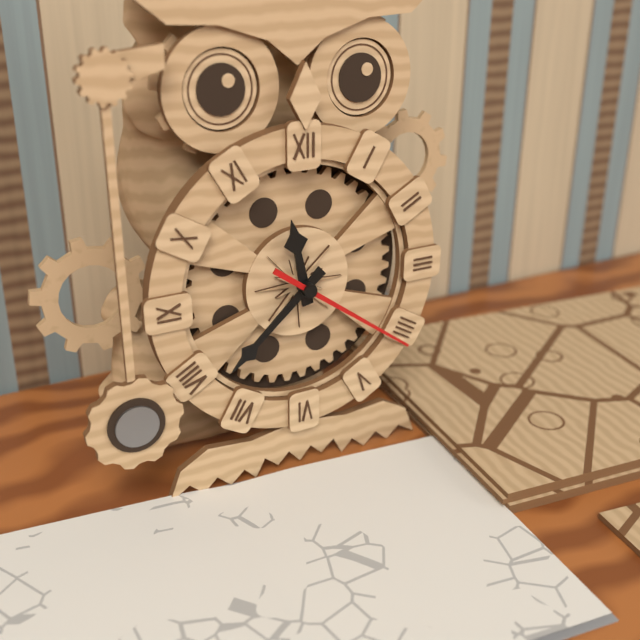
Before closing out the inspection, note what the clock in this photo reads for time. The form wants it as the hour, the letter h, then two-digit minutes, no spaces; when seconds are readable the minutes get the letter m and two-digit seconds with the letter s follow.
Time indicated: 11h38m21s
